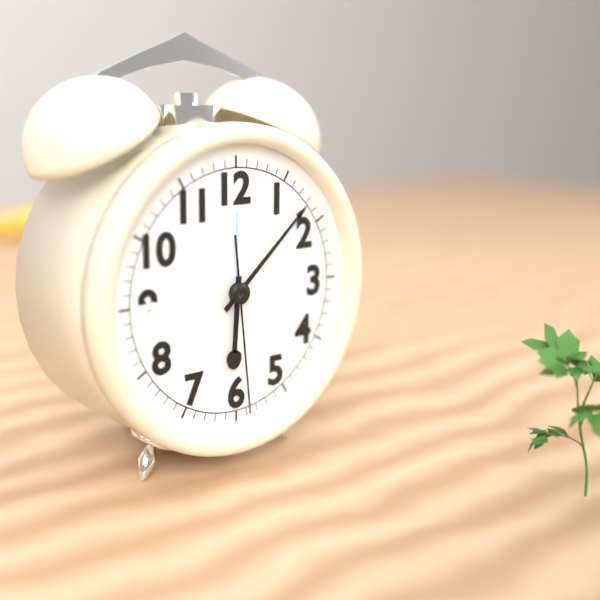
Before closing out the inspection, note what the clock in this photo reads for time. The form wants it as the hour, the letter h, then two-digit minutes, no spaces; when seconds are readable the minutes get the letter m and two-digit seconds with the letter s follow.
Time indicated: 6h08m29s
